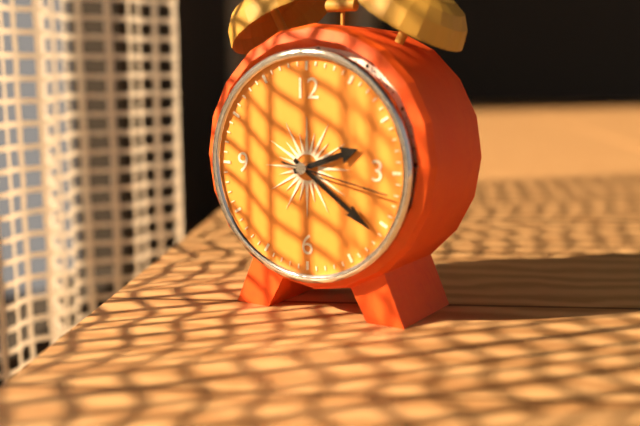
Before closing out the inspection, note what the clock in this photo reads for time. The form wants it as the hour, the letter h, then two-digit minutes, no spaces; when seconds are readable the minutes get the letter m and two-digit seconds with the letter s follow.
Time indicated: 2h21m17s
